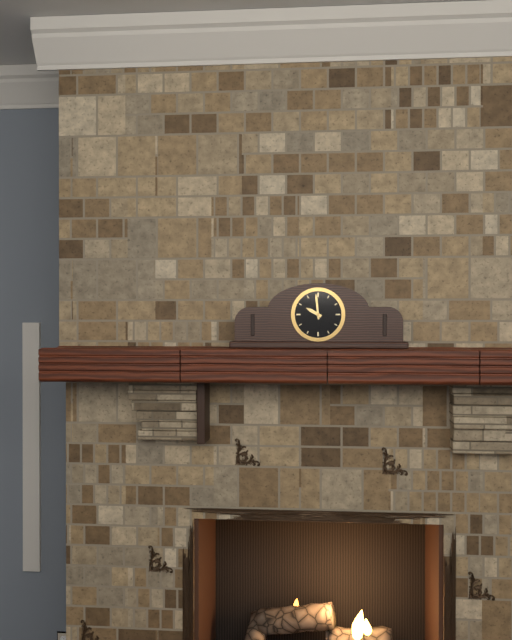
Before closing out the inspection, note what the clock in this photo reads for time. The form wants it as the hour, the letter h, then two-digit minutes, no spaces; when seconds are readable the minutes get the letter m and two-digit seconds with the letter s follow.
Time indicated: 9h59
